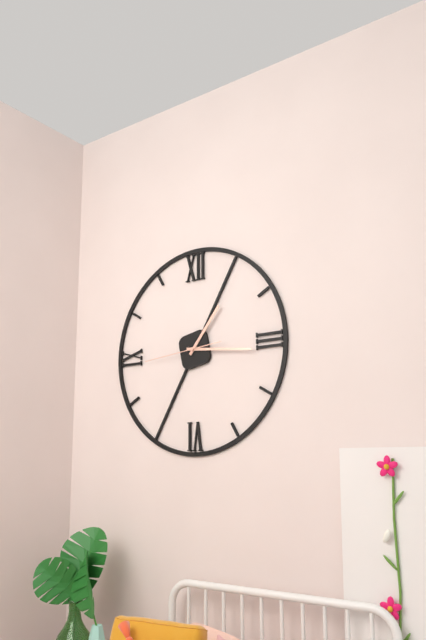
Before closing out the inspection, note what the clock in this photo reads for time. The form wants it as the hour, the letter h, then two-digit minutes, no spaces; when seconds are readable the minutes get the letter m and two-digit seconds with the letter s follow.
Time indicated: 1h16m44s
